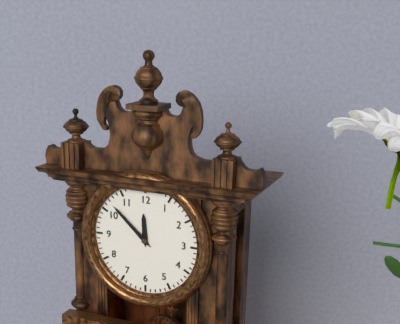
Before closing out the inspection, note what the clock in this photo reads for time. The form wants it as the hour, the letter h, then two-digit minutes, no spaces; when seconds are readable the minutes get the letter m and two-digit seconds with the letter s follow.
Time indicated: 11h52
